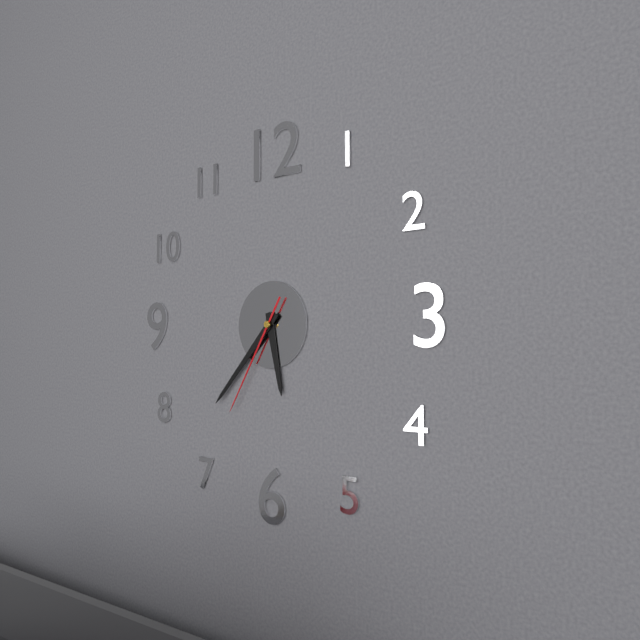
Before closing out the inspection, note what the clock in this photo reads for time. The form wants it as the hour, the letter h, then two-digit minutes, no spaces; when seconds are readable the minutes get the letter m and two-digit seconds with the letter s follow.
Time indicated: 5h37m35s
